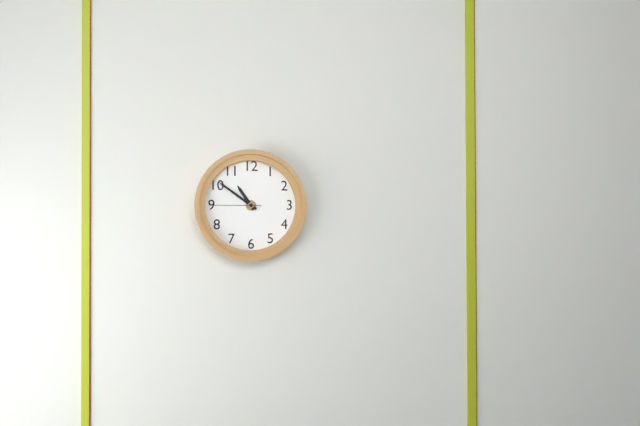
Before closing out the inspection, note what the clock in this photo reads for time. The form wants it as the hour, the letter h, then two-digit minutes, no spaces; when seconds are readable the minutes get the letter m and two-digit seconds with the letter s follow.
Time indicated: 10h51m45s
